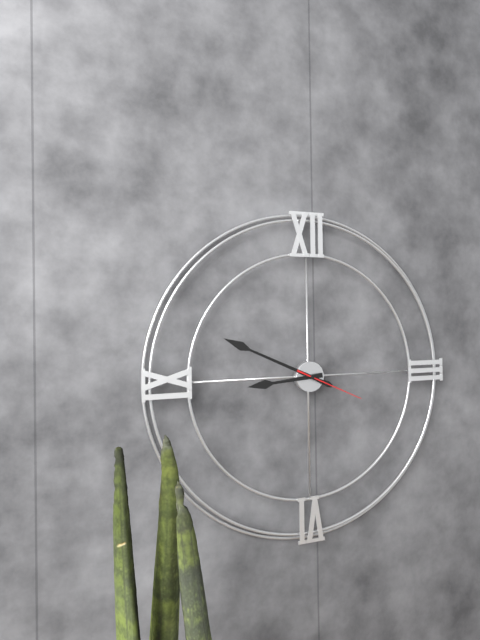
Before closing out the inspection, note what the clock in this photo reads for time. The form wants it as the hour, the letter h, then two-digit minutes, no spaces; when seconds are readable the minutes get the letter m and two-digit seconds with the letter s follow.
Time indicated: 8h49m19s
